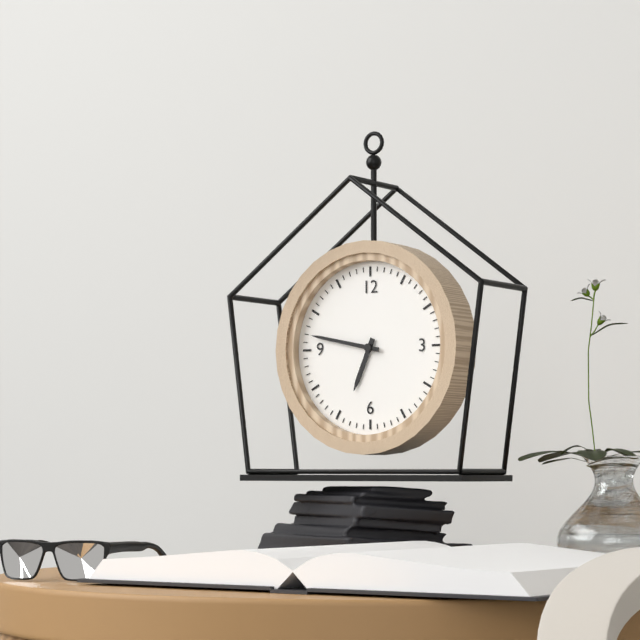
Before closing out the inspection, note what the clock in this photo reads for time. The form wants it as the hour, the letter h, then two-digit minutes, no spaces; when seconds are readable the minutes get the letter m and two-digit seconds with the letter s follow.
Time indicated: 6h47
